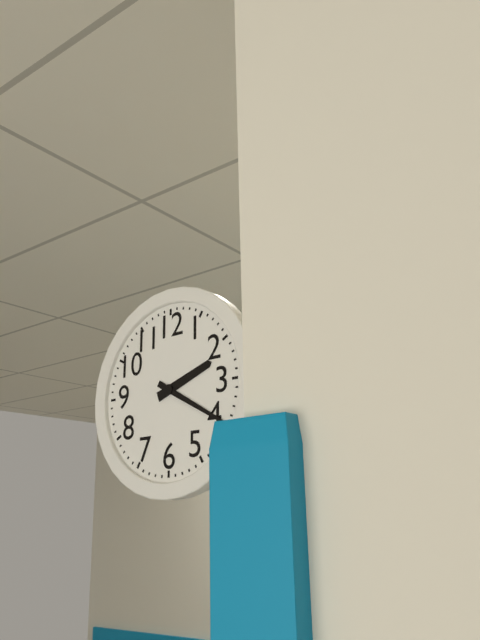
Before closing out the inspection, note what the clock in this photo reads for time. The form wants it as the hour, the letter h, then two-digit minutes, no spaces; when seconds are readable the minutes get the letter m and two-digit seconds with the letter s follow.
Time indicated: 2h20
